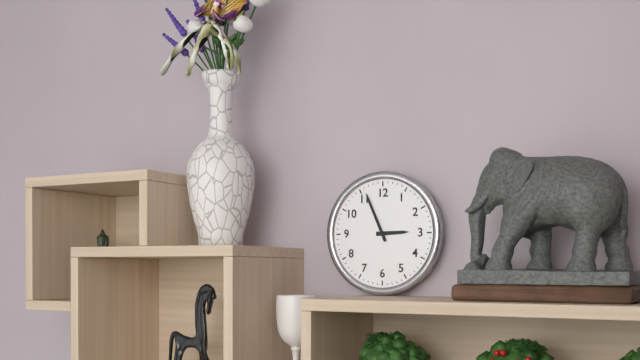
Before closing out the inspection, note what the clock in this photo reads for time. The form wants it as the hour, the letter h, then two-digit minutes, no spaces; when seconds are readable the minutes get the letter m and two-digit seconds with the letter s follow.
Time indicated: 2h56
